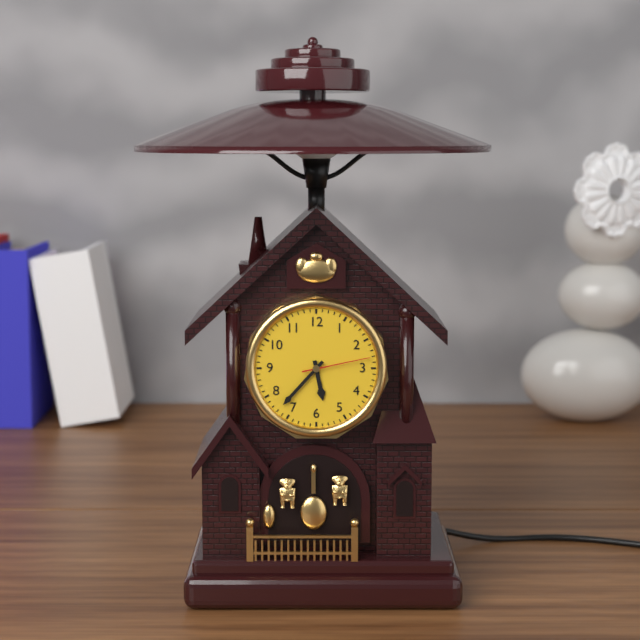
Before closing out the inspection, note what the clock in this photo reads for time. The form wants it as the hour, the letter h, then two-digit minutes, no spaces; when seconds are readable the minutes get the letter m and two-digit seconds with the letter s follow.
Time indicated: 5h37m13s
